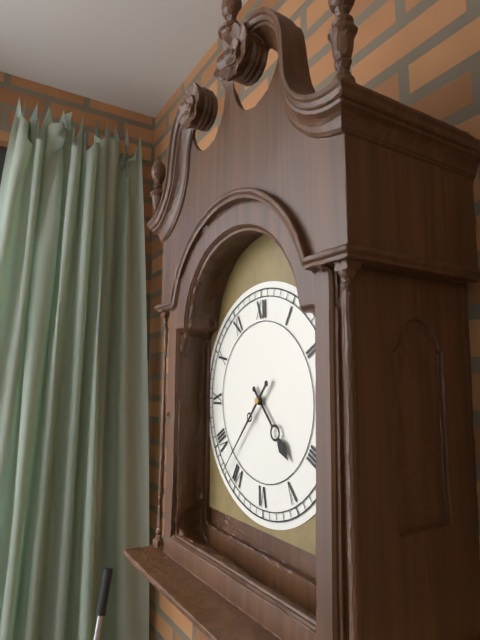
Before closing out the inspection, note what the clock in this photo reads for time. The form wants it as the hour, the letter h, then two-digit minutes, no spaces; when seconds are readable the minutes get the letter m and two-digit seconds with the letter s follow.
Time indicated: 4h37
